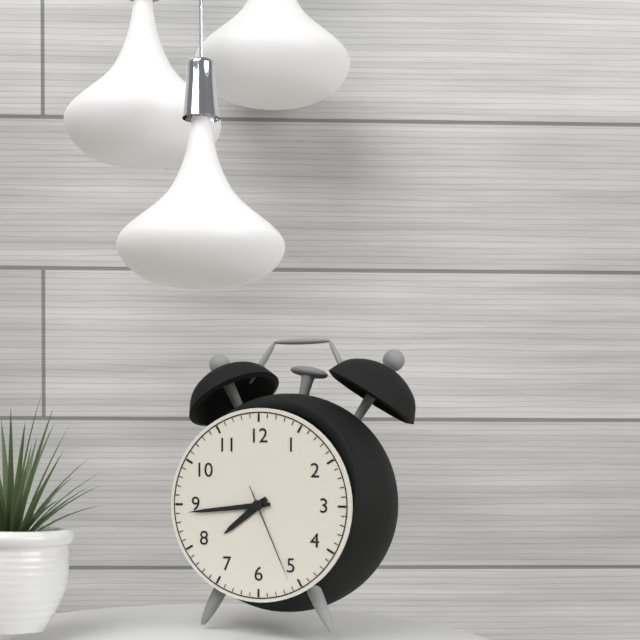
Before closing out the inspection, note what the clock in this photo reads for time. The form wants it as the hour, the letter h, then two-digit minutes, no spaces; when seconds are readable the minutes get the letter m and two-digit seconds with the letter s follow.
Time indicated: 7h44m26s
